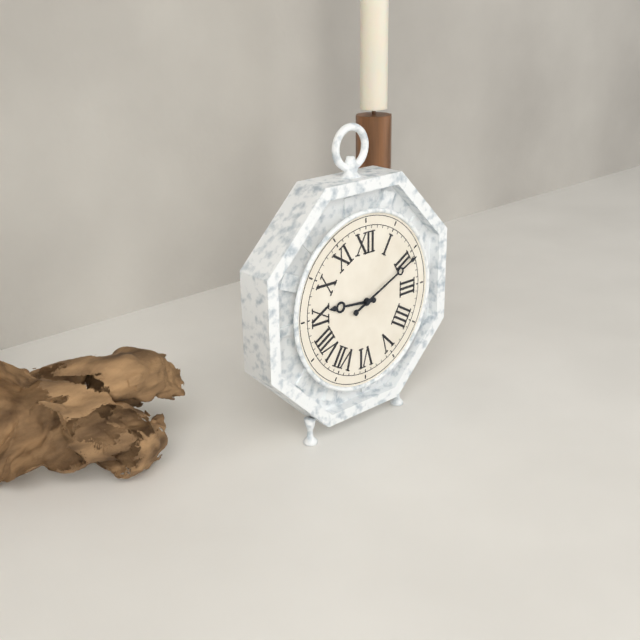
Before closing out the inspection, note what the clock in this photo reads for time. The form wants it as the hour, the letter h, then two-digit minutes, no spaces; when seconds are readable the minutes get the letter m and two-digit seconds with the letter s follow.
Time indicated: 9h11
